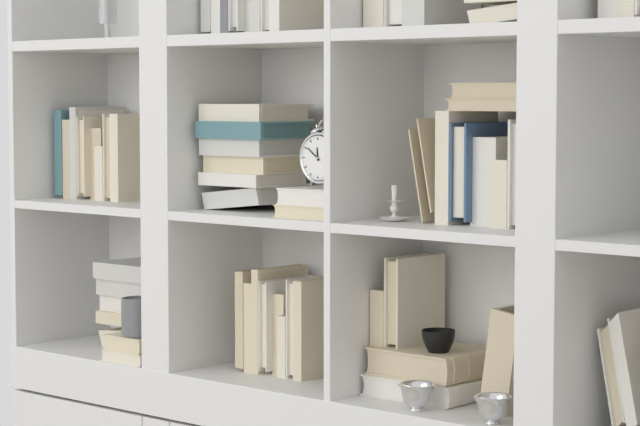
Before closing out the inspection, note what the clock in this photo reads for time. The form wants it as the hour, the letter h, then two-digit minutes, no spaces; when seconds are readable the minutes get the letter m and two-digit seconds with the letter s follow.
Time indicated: 11h51
